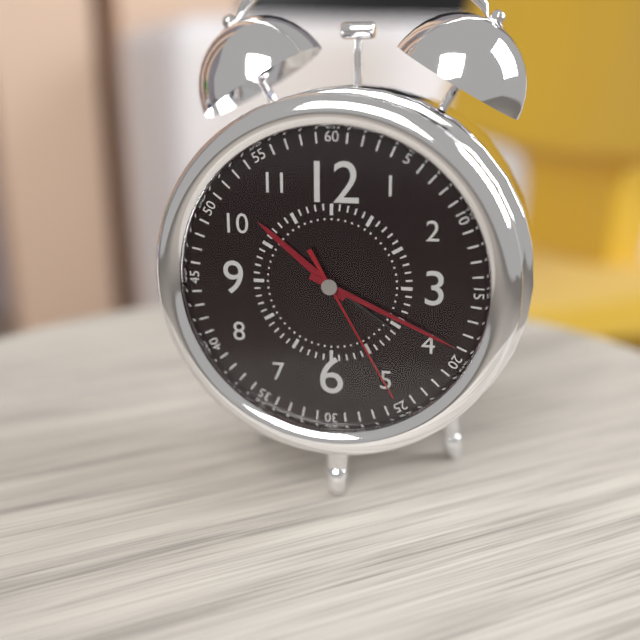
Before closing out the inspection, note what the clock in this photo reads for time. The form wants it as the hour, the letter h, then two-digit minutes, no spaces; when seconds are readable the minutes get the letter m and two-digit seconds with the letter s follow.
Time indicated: 10h19m25s
